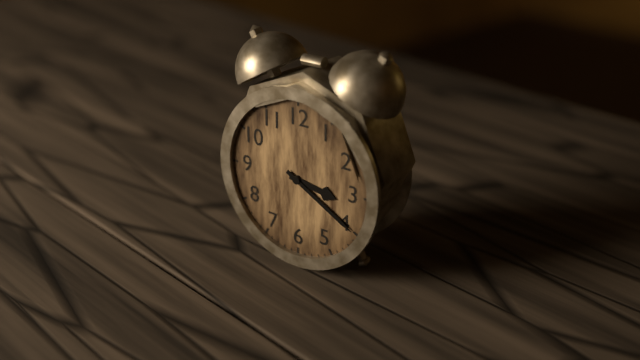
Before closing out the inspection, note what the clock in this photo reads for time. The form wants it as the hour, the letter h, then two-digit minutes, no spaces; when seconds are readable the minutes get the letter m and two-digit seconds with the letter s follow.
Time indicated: 3h20
